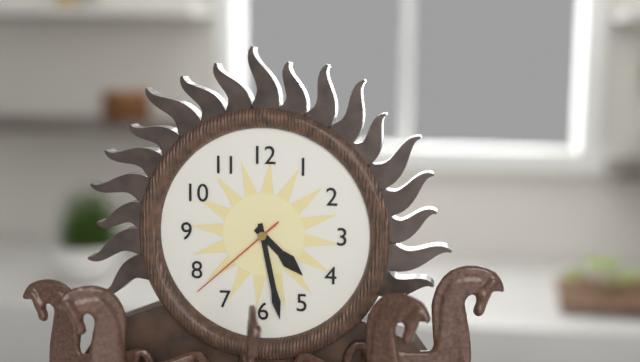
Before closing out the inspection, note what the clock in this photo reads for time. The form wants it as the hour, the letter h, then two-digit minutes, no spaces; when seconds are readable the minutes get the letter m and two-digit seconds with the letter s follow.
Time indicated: 4h28m38s
